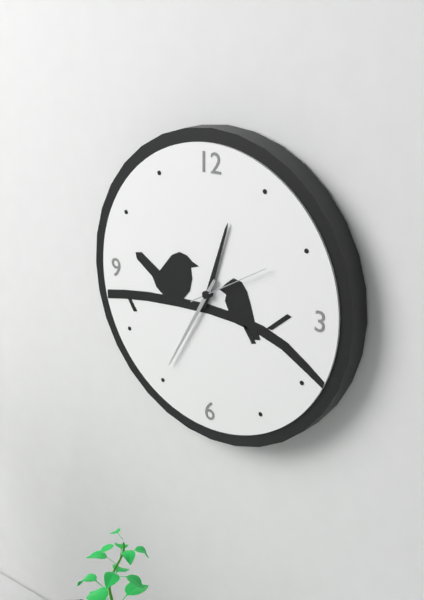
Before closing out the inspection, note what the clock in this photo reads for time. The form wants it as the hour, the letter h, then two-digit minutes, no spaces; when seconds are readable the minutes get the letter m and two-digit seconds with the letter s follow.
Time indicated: 12h35m10s
